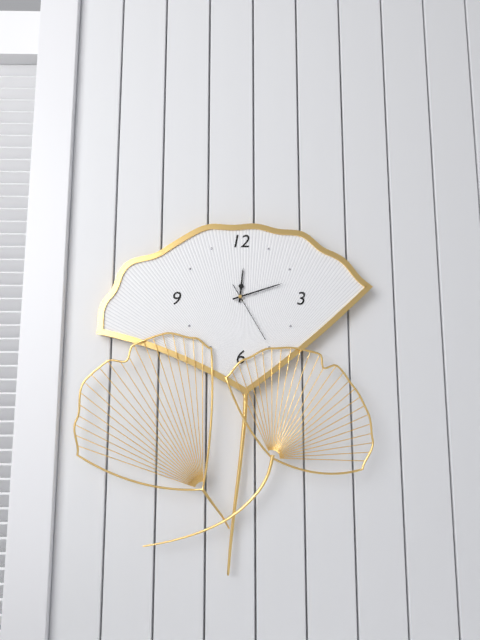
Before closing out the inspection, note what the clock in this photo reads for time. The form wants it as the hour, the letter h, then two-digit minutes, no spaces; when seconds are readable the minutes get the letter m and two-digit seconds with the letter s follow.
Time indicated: 12h12m25s
